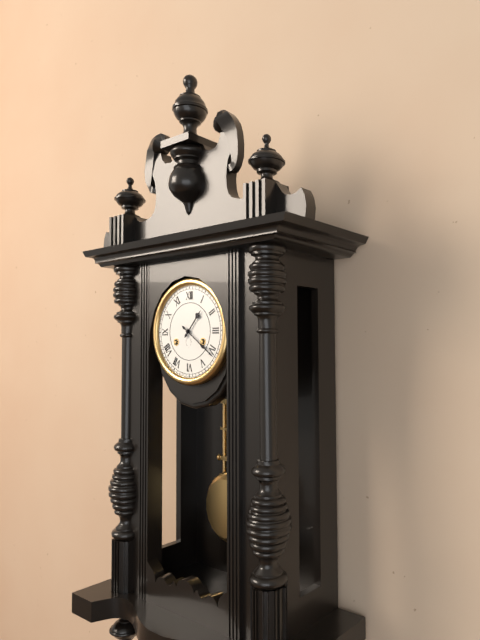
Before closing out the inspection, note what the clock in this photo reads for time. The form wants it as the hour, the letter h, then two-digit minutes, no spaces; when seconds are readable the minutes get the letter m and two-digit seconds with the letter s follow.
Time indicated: 1h21
